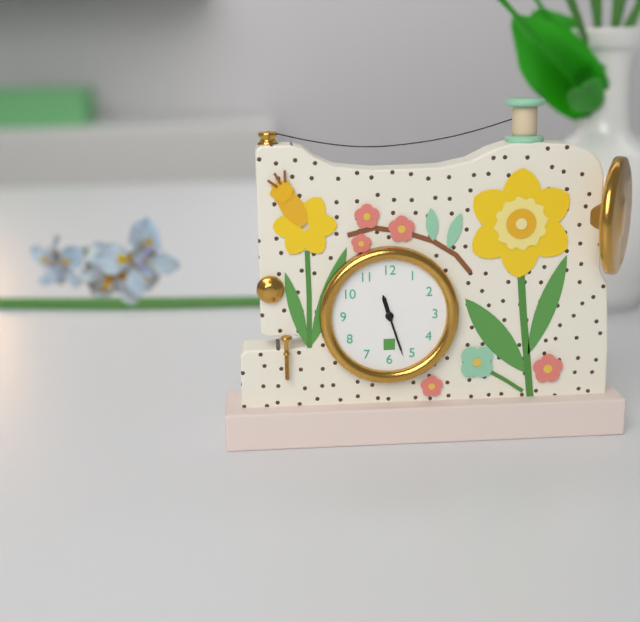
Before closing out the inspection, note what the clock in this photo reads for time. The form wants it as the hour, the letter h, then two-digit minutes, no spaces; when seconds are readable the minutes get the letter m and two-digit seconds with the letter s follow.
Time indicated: 11h27
